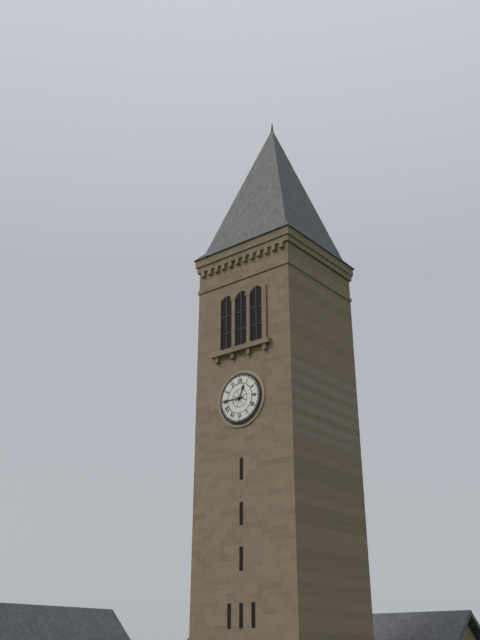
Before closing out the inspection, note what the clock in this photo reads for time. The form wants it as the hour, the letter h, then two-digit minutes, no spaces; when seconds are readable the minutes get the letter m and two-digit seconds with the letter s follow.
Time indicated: 12h45
